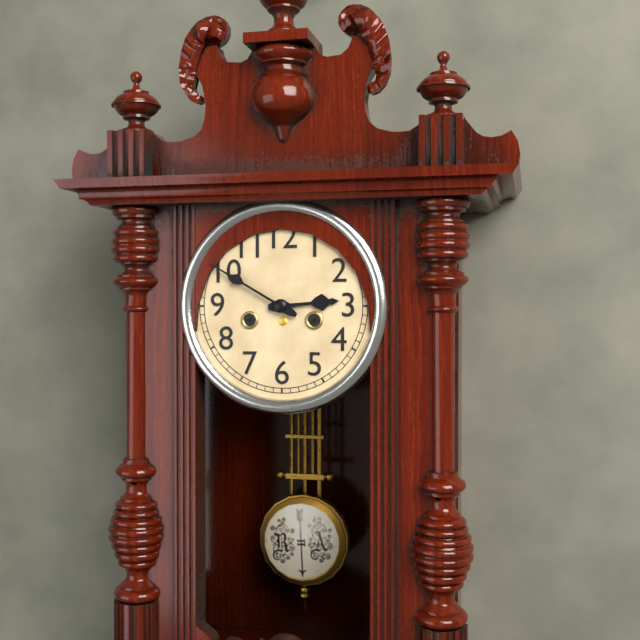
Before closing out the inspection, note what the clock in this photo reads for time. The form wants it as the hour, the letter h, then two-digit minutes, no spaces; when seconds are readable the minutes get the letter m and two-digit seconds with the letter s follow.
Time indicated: 2h50
